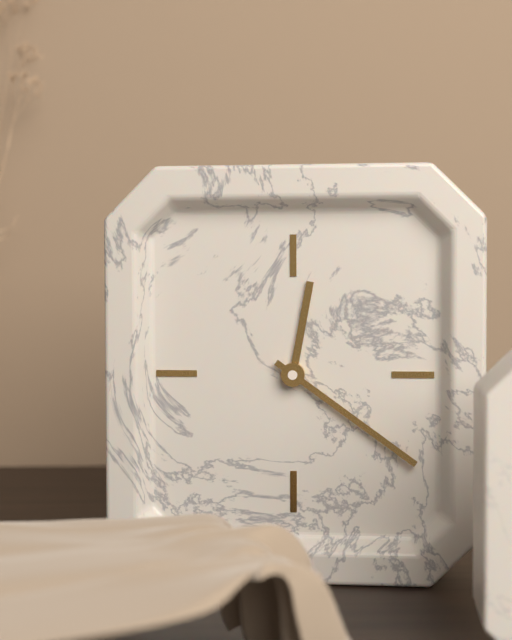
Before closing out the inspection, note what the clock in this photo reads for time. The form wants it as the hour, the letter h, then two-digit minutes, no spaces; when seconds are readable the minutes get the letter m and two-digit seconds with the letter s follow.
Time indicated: 12h21
